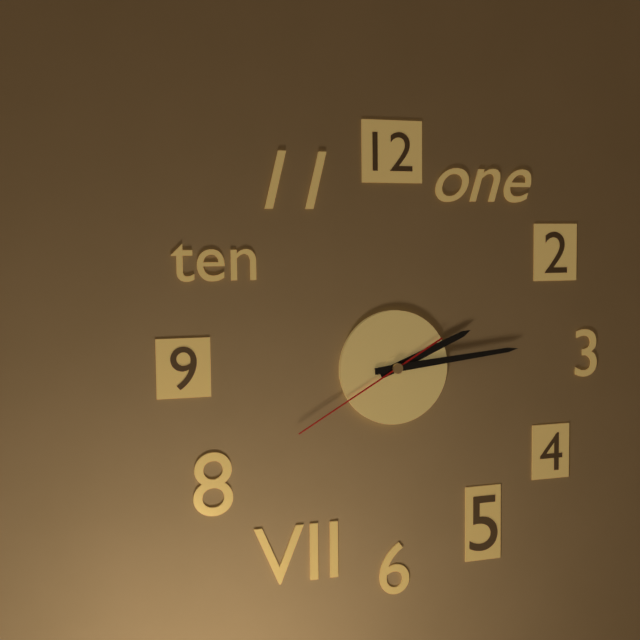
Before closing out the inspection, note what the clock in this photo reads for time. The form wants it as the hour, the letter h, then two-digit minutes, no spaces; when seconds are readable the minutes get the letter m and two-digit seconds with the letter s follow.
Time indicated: 2h14m40s
